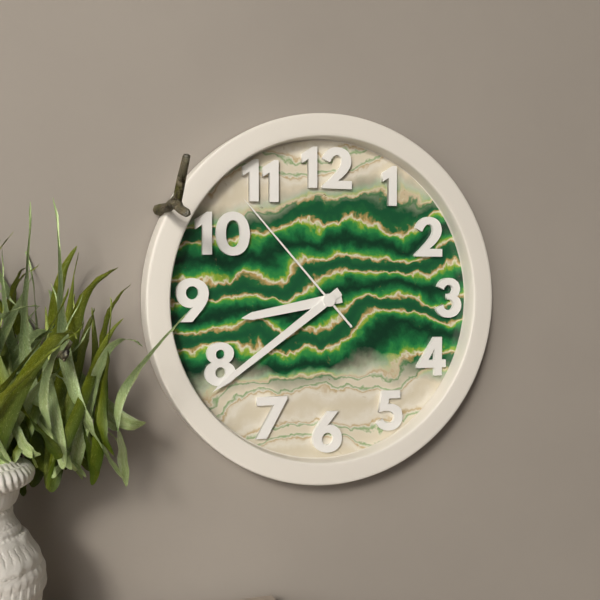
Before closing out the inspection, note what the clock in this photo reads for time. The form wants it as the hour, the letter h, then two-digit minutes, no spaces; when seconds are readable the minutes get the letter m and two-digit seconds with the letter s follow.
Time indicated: 8h39m53s
